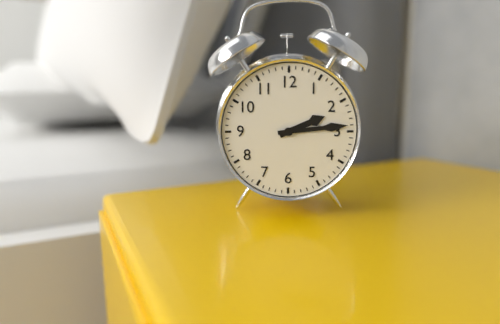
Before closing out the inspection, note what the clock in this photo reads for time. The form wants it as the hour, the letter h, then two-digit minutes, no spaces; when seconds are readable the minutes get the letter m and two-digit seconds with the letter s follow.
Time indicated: 2h14
